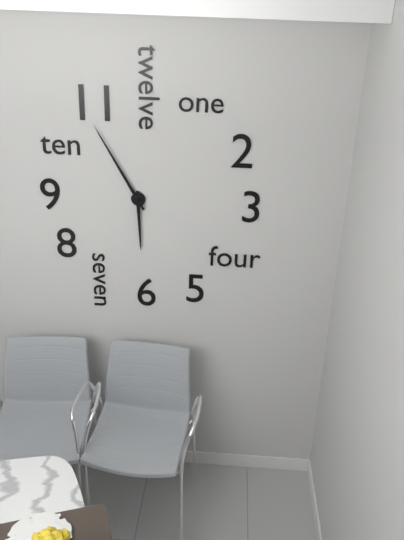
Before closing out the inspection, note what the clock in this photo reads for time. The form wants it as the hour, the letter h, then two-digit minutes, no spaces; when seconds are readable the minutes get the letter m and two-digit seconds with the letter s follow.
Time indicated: 5h55
